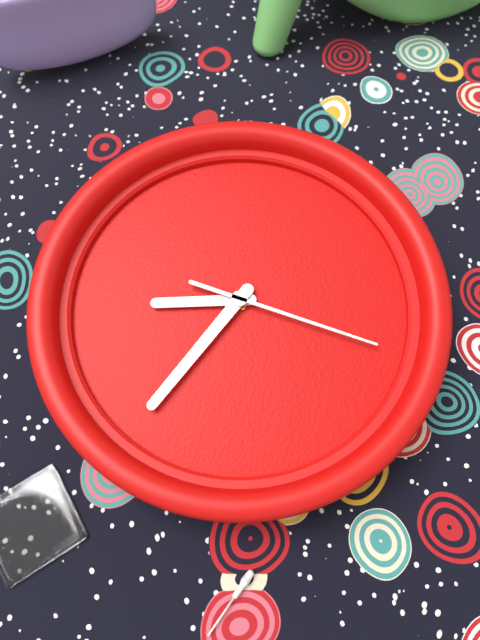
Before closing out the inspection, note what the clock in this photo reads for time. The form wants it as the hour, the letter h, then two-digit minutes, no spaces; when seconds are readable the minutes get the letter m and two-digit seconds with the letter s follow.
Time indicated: 9h40m22s
